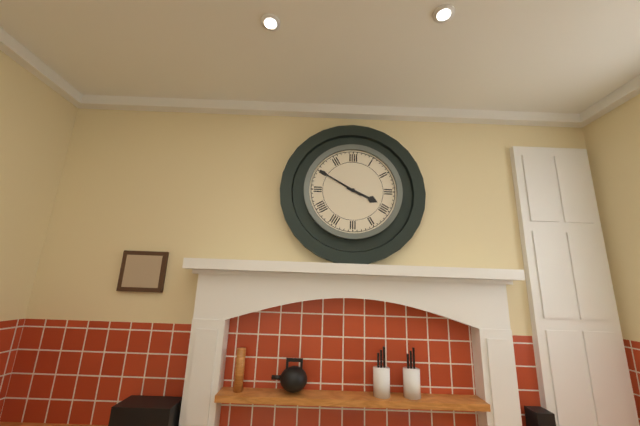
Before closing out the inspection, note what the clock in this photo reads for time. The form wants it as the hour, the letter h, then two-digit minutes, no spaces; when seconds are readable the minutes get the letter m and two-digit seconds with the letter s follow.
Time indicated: 3h50
